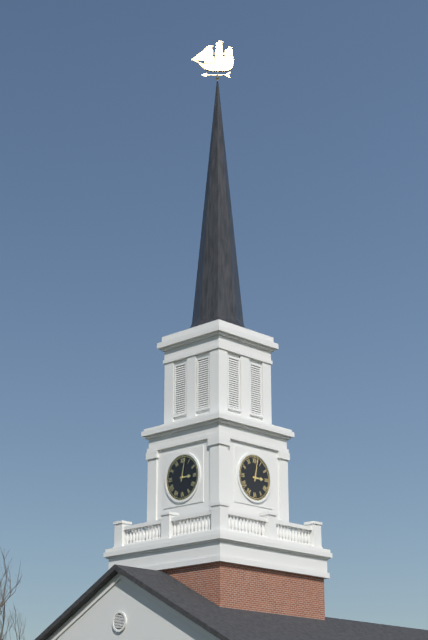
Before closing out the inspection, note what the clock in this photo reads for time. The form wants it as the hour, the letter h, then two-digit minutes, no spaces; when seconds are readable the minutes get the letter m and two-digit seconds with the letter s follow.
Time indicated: 3h02
